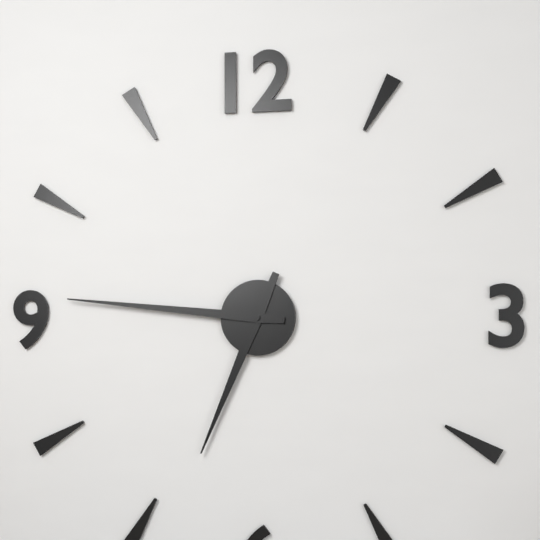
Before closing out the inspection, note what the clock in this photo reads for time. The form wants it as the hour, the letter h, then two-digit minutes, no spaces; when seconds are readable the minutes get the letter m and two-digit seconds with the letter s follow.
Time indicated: 6h46
